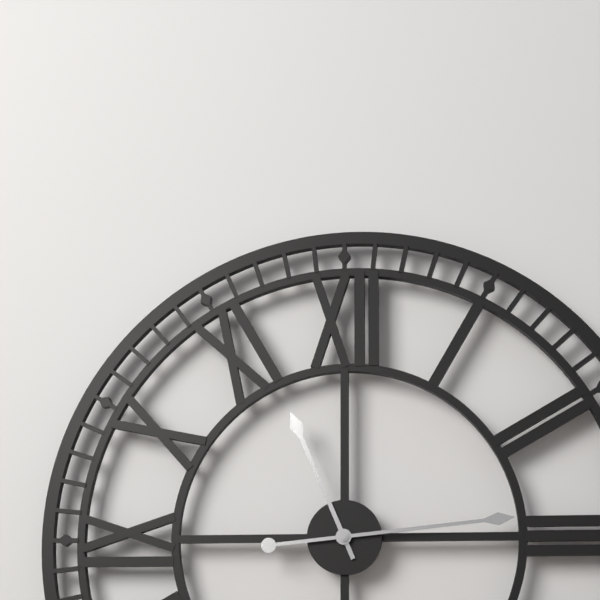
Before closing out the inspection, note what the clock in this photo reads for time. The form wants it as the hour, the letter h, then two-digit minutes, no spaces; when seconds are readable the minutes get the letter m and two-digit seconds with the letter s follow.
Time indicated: 11h14
